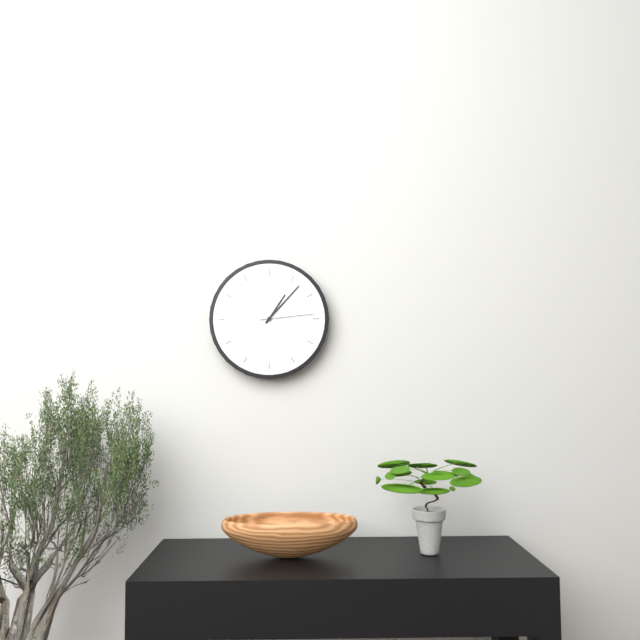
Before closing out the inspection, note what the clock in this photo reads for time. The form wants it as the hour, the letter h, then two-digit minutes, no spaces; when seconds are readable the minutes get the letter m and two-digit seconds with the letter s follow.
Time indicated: 1h07m14s
